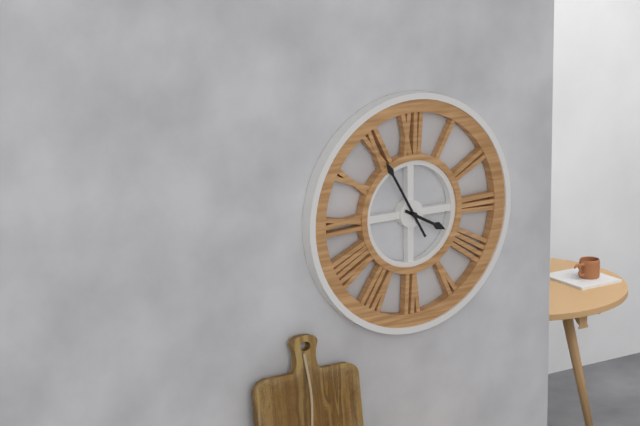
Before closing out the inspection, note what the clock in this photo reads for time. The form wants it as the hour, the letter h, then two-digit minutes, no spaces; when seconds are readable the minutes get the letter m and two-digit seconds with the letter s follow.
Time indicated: 3h55
